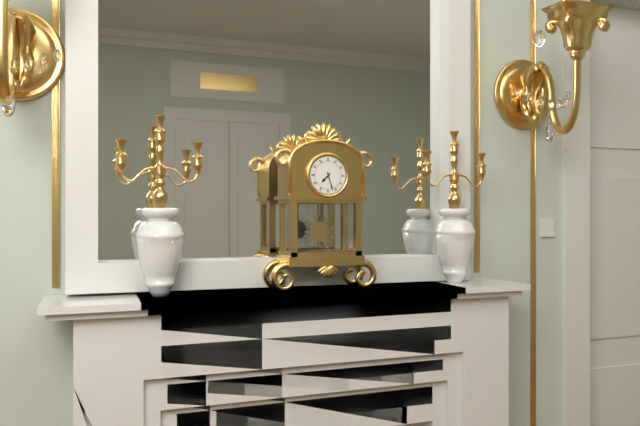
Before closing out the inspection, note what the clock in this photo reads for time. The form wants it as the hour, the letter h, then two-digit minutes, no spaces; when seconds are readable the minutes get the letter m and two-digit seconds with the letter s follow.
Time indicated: 7h27
